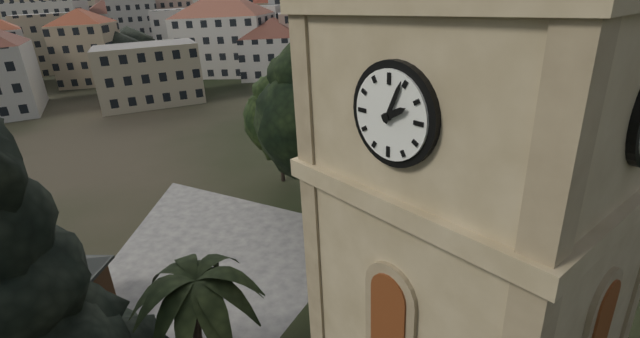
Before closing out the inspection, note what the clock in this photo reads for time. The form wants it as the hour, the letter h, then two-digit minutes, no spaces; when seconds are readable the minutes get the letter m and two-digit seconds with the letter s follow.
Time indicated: 2h04
